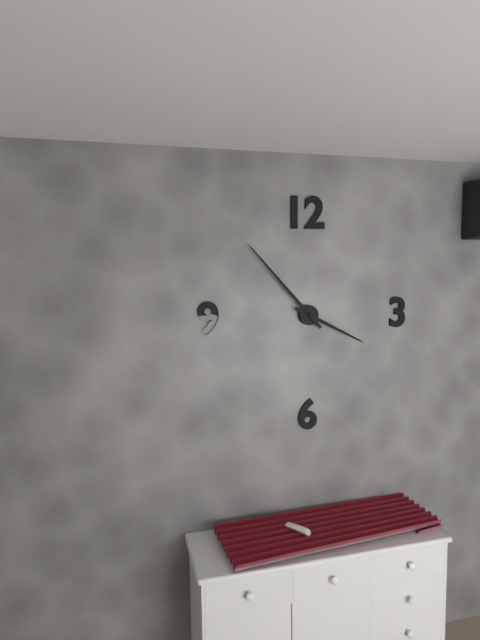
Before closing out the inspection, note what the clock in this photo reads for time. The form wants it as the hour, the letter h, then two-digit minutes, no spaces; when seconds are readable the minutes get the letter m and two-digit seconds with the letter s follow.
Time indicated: 3h53
